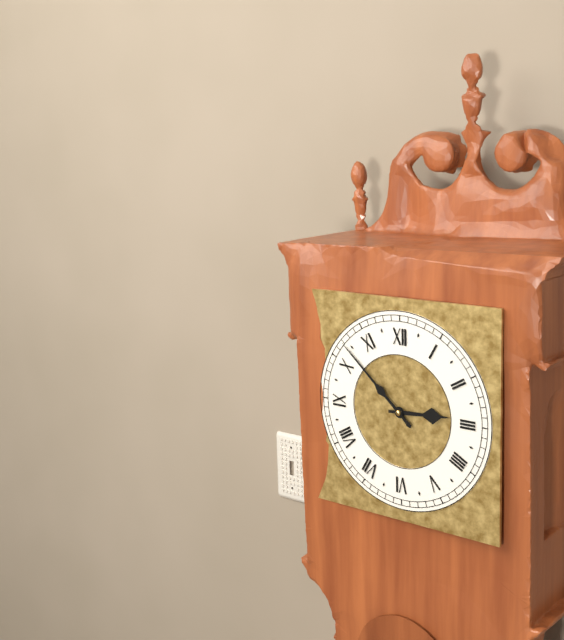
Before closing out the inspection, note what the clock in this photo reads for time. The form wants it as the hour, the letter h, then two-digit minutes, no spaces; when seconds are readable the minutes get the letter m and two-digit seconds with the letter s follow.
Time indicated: 2h52
